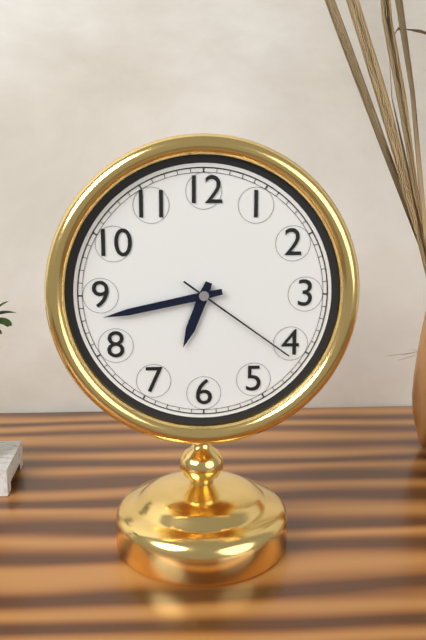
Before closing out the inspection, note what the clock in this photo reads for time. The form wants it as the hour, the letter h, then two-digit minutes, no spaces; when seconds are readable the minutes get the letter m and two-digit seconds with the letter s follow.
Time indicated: 6h43m21s
